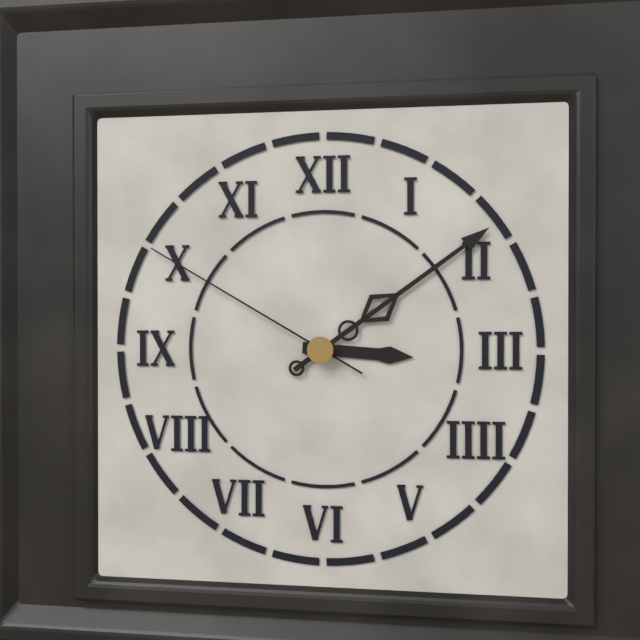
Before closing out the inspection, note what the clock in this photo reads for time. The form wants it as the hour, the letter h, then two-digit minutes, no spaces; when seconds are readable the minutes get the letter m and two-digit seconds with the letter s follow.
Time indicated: 3h09m50s
